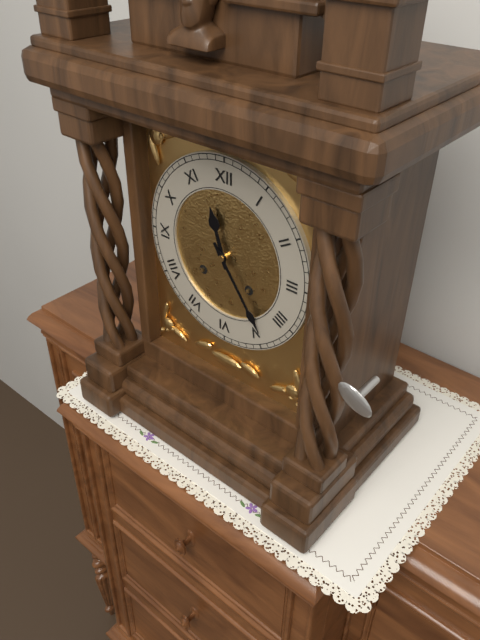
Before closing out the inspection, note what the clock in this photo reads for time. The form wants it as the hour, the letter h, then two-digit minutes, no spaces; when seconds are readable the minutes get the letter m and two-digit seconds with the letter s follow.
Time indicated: 11h24
